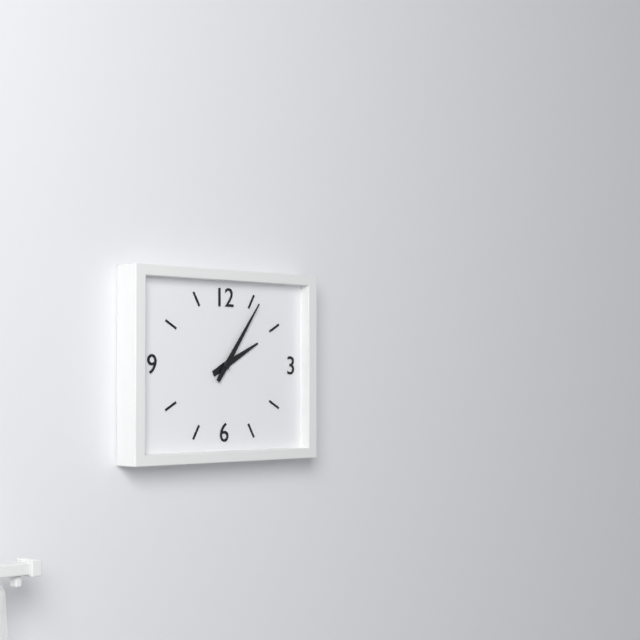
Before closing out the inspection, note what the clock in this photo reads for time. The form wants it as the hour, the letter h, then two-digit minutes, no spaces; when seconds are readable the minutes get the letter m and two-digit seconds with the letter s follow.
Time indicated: 2h06
